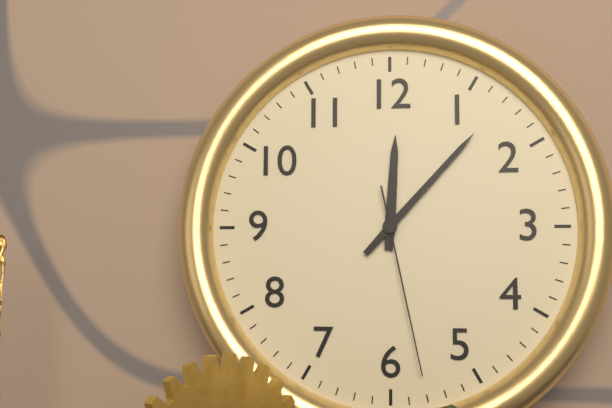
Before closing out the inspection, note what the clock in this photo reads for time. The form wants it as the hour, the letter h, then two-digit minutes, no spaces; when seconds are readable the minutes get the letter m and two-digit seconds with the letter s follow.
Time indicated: 12h07m28s
